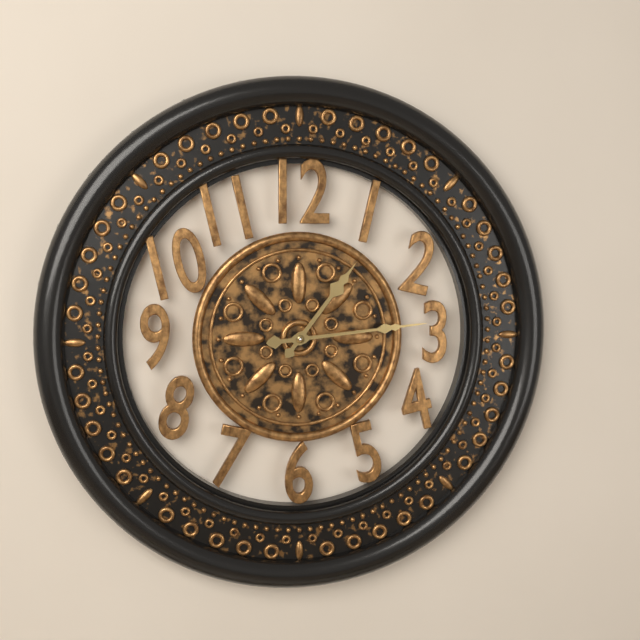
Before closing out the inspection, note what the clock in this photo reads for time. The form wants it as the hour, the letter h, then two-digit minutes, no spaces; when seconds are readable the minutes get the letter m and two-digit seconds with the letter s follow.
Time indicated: 1h14
